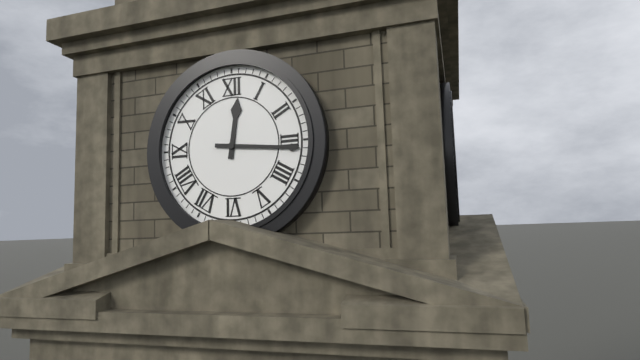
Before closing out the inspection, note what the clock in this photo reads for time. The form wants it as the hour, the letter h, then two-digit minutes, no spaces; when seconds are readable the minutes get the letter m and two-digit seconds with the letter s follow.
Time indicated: 12h16
